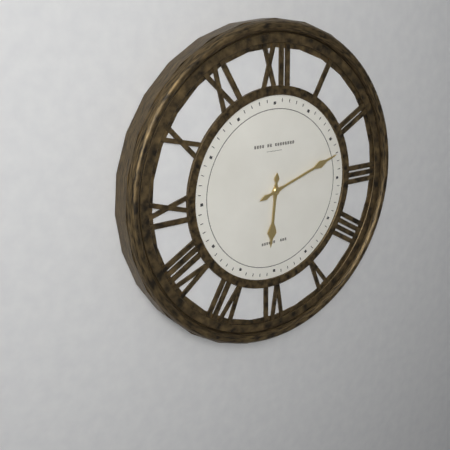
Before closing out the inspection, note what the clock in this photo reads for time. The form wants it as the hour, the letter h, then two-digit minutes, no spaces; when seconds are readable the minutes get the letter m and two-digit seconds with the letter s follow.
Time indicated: 6h12
